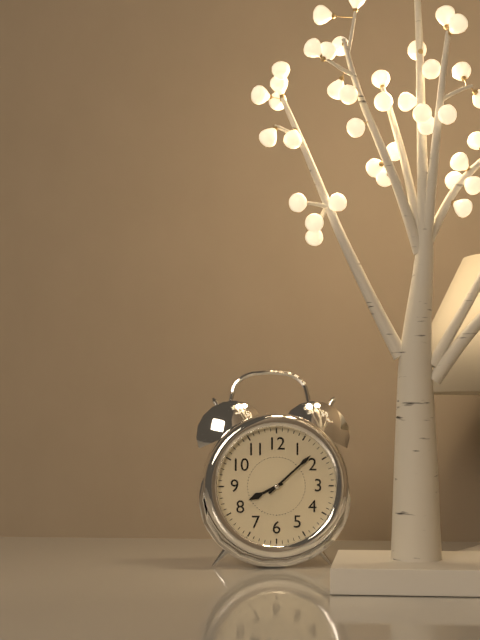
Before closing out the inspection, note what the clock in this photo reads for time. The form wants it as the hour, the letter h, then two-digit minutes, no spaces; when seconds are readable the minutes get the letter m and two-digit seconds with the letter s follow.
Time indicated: 8h08
